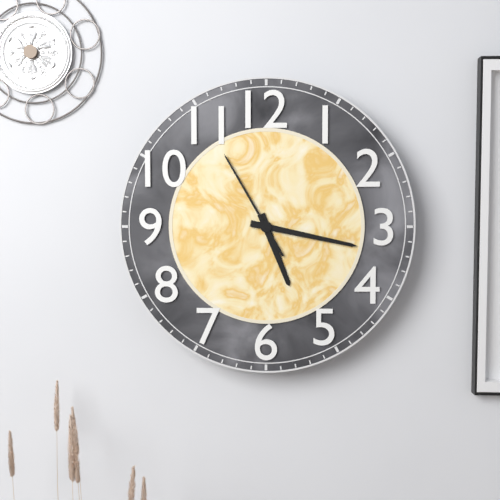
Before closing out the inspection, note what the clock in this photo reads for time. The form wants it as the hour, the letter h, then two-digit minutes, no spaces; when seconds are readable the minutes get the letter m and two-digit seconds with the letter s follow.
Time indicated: 5h17m55s
